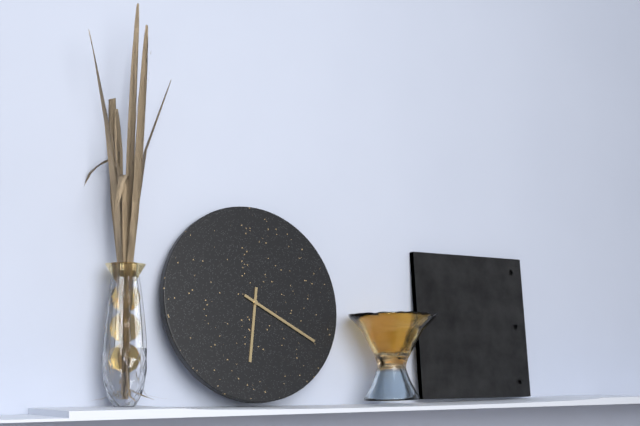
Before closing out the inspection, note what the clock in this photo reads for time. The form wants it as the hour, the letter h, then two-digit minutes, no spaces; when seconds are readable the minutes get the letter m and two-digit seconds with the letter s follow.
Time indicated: 6h20
